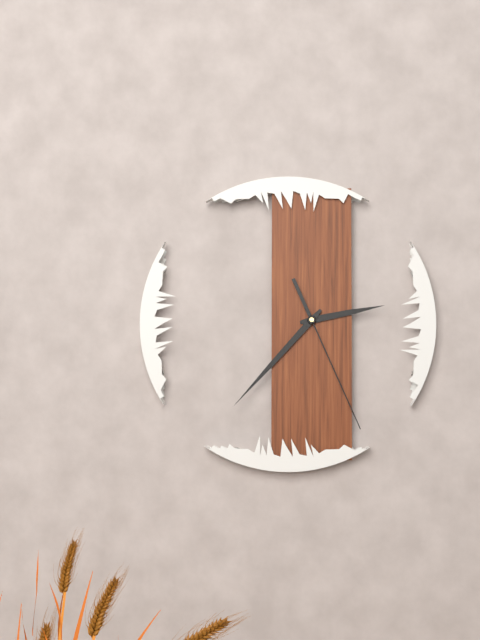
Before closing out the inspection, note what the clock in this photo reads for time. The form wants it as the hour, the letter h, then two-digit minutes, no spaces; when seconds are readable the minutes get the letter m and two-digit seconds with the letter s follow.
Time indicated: 2h37m26s
